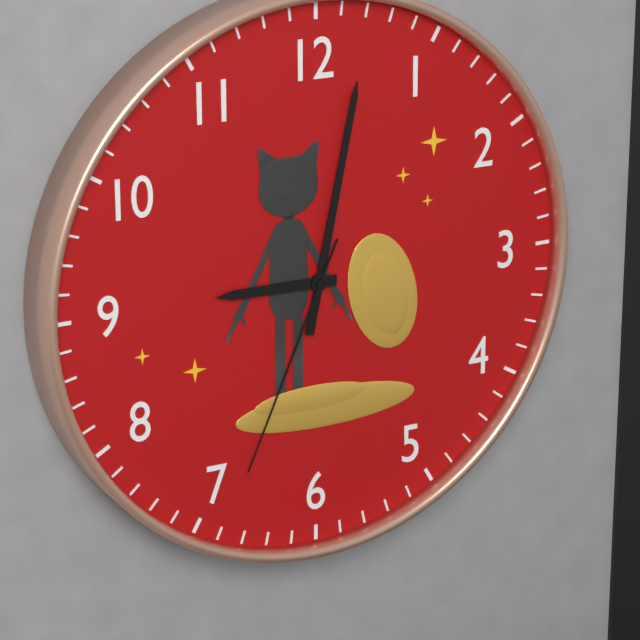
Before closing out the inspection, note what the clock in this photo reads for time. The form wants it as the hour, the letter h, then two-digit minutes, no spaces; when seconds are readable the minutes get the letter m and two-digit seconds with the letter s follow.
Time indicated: 9h02m34s
